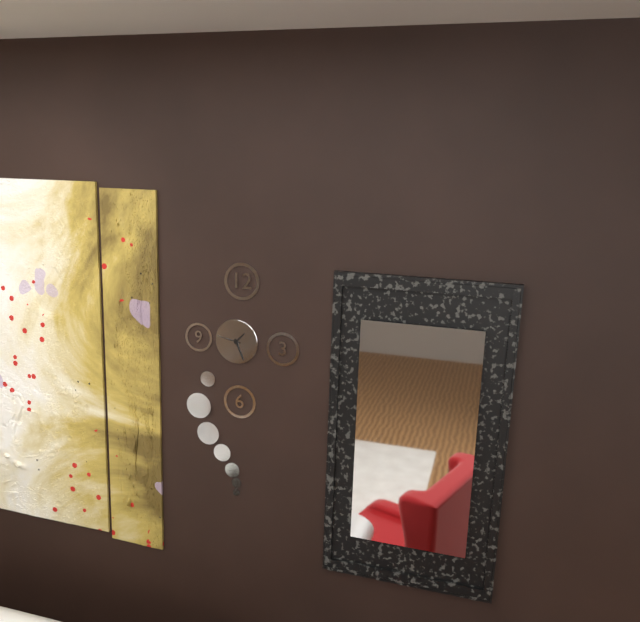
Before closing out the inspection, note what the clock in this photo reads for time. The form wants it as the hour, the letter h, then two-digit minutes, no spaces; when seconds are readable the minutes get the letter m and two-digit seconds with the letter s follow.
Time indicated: 1h26
